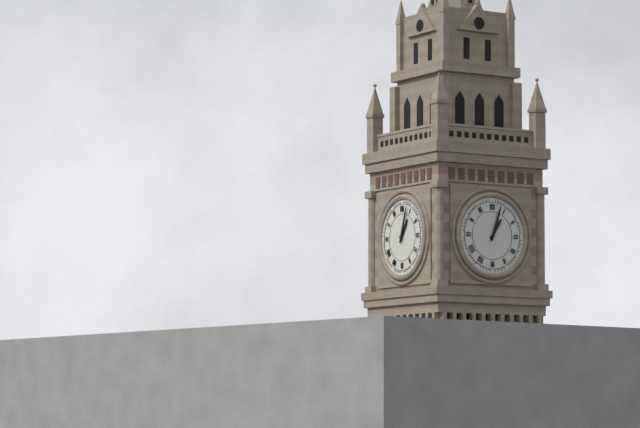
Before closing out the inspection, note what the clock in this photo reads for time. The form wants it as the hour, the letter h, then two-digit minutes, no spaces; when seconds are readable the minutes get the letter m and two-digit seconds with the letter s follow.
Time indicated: 1h03
